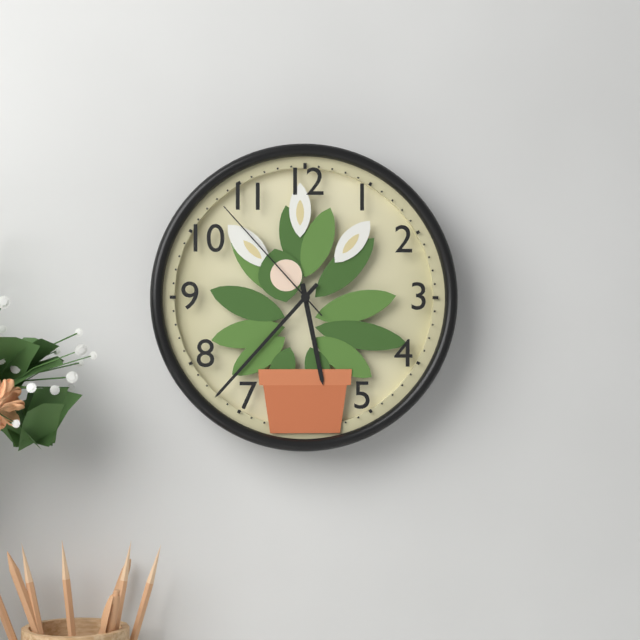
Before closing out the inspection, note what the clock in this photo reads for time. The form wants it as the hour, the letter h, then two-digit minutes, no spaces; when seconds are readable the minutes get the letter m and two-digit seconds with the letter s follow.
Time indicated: 5h37m53s
